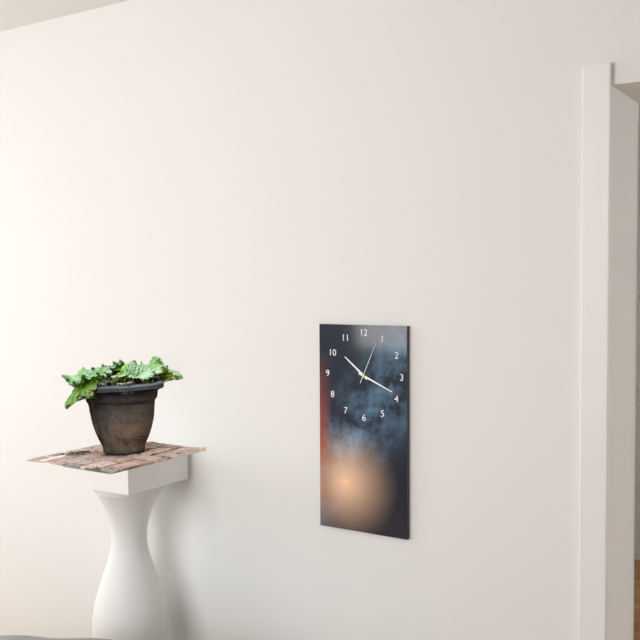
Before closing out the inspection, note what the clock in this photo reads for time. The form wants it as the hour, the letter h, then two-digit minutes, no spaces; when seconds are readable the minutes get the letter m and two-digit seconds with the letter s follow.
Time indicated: 10h19
